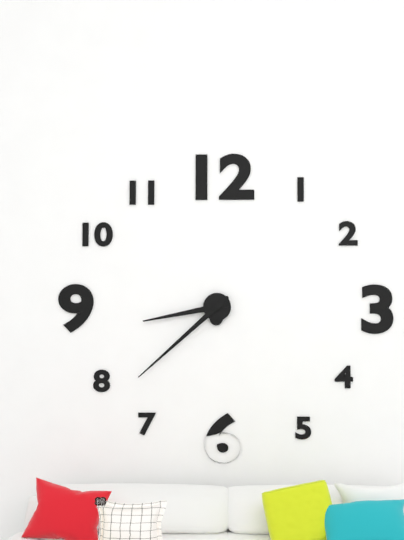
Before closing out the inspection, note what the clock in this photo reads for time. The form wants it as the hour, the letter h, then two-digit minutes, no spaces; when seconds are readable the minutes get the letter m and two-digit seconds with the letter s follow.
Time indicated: 8h38
